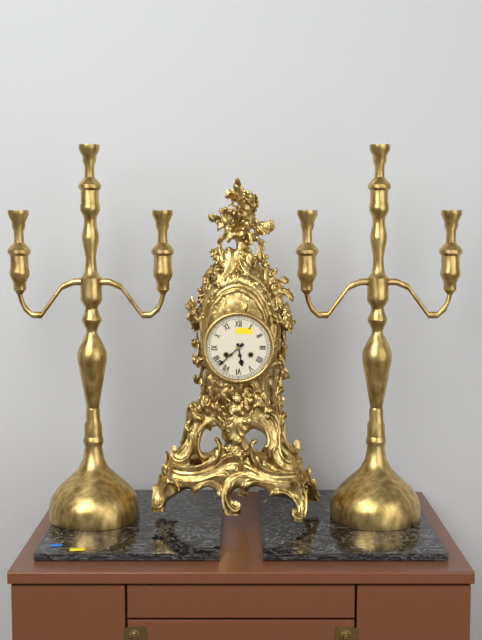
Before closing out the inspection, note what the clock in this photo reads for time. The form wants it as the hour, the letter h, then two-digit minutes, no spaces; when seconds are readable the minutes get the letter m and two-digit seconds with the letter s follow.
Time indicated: 5h38
